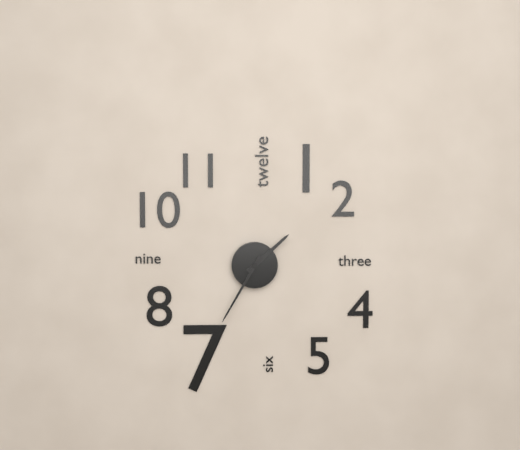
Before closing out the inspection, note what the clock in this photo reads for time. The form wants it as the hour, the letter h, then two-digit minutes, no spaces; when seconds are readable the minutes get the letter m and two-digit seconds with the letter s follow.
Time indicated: 1h35
